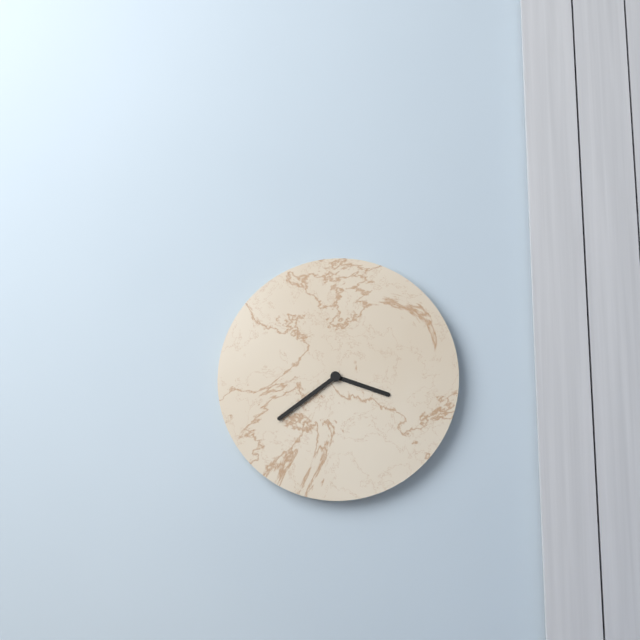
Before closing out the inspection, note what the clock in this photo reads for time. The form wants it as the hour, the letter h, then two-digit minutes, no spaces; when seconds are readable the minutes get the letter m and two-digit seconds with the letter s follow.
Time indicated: 3h39
